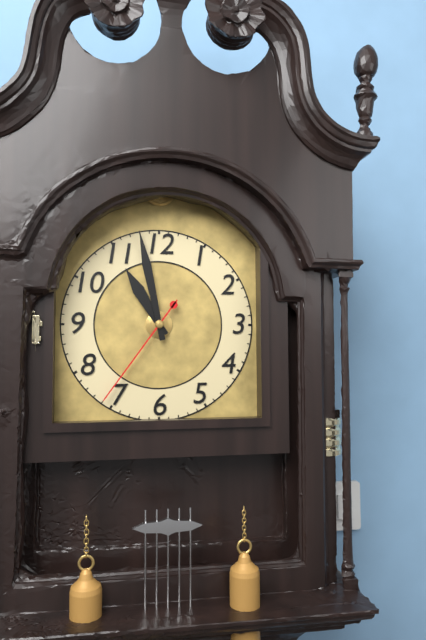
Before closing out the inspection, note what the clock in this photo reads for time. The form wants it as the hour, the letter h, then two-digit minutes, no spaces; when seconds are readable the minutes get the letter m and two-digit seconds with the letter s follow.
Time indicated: 10h58m36s
